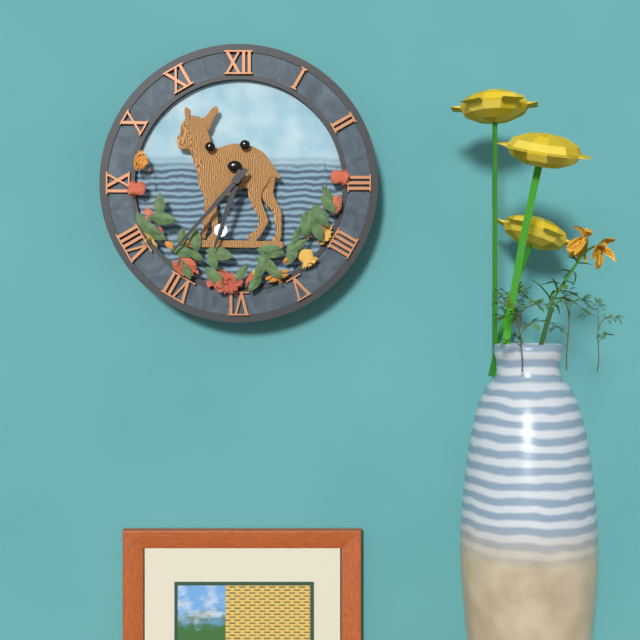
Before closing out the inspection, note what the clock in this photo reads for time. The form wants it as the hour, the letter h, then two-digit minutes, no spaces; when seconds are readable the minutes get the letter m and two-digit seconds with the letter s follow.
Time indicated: 6h37
